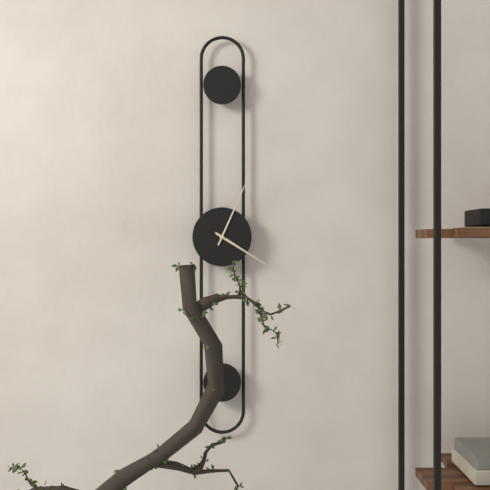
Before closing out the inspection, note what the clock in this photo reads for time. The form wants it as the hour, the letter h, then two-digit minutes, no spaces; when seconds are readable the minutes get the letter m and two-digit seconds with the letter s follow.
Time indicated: 4h04
